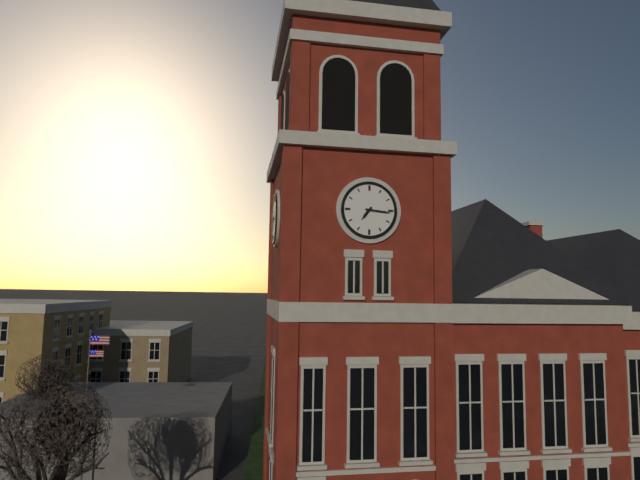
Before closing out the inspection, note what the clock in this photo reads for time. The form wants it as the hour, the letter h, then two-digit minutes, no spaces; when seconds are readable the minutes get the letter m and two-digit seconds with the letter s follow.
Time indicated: 7h16
